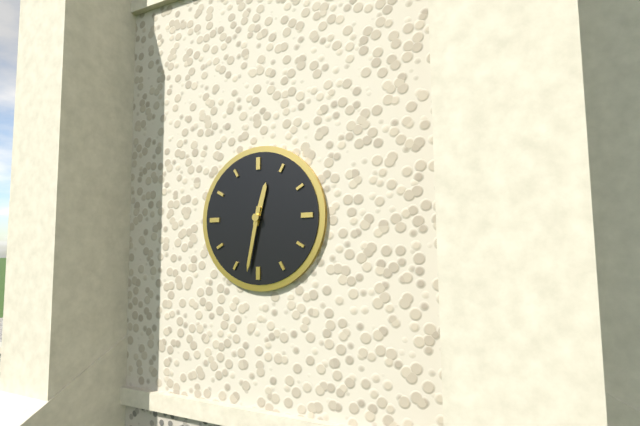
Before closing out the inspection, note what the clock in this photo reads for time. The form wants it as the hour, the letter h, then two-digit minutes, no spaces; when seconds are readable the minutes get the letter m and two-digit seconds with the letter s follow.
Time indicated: 12h32
